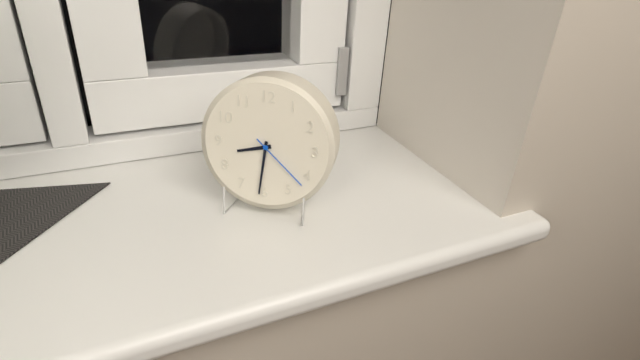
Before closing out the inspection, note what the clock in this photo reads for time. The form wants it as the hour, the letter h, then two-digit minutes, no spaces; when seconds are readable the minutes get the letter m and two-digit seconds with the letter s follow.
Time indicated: 8h31m22s
